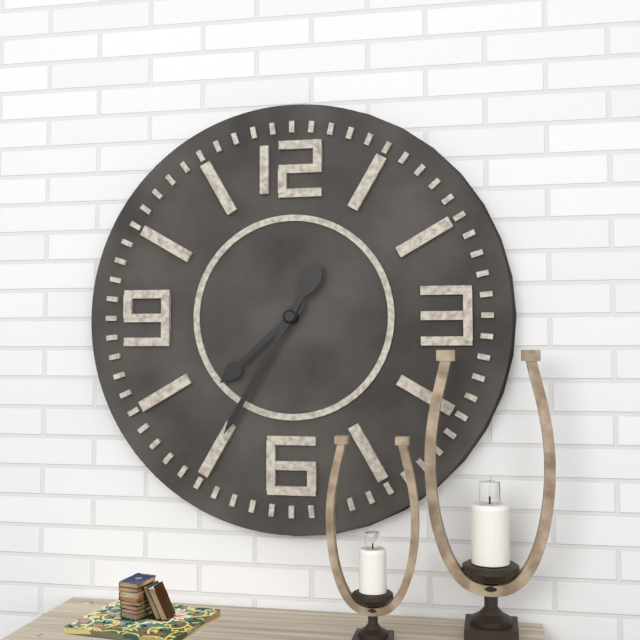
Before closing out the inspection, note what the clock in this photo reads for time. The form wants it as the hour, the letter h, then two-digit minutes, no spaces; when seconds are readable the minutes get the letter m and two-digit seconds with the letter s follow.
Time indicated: 7h35
